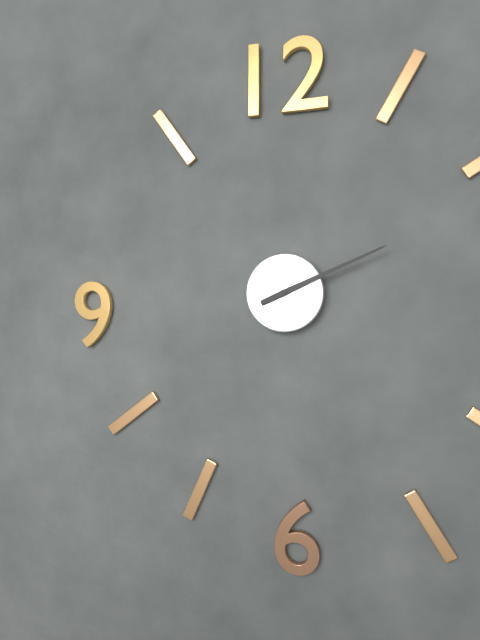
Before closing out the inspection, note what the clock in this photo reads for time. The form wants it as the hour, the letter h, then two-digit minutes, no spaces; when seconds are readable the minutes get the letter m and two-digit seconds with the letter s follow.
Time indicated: 2h11
